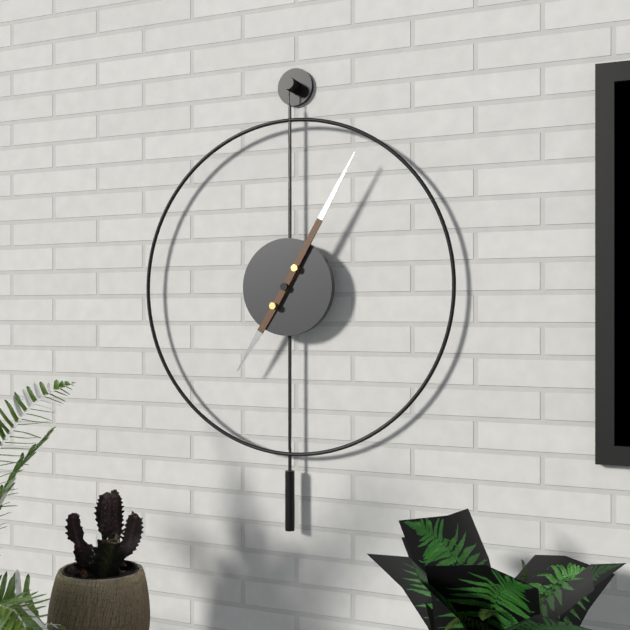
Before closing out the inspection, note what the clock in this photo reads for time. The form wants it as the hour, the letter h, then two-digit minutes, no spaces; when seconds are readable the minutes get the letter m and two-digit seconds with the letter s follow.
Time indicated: 7h05
